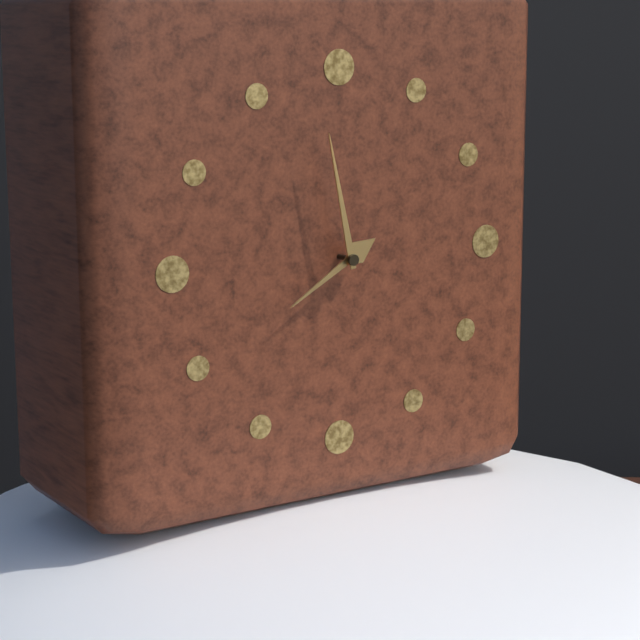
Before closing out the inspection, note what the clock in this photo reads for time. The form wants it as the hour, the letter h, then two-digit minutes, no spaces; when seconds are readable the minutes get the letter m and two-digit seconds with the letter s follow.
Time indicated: 7h58
